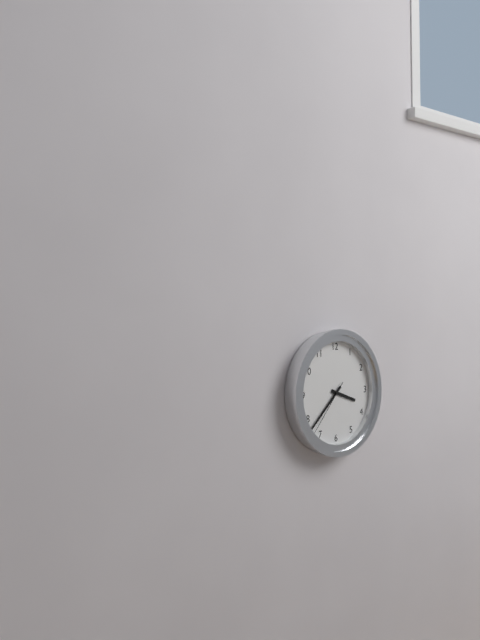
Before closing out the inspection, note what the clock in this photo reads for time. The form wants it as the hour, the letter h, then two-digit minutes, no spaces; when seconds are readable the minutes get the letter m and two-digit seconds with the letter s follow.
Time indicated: 3h38m37s
